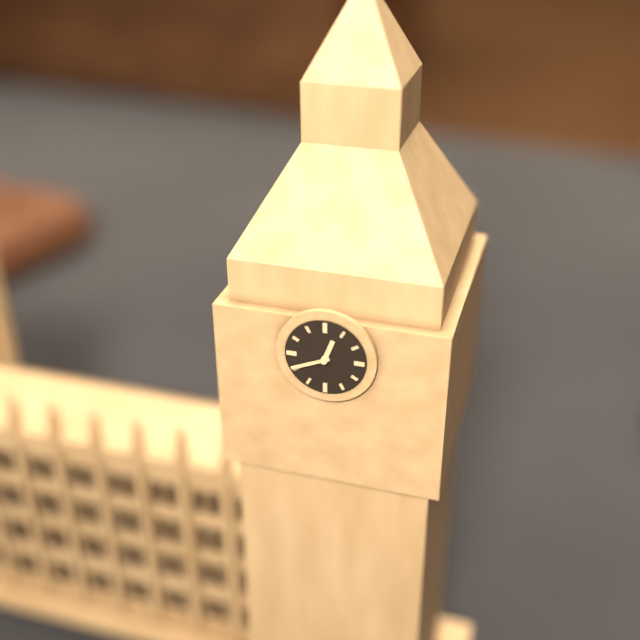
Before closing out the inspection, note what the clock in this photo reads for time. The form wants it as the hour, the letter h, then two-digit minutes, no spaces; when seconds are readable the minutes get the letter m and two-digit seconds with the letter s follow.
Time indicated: 12h41
